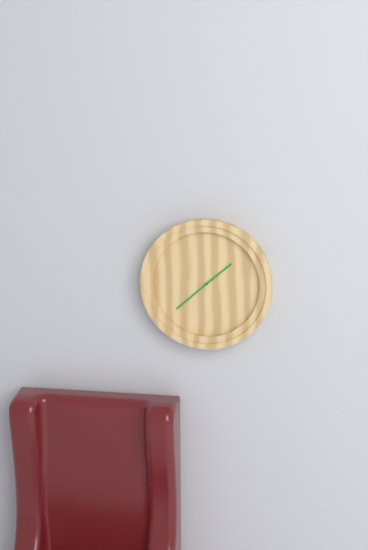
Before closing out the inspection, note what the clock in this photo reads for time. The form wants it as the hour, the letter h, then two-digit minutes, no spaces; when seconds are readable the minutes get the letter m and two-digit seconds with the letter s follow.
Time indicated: 1h38
